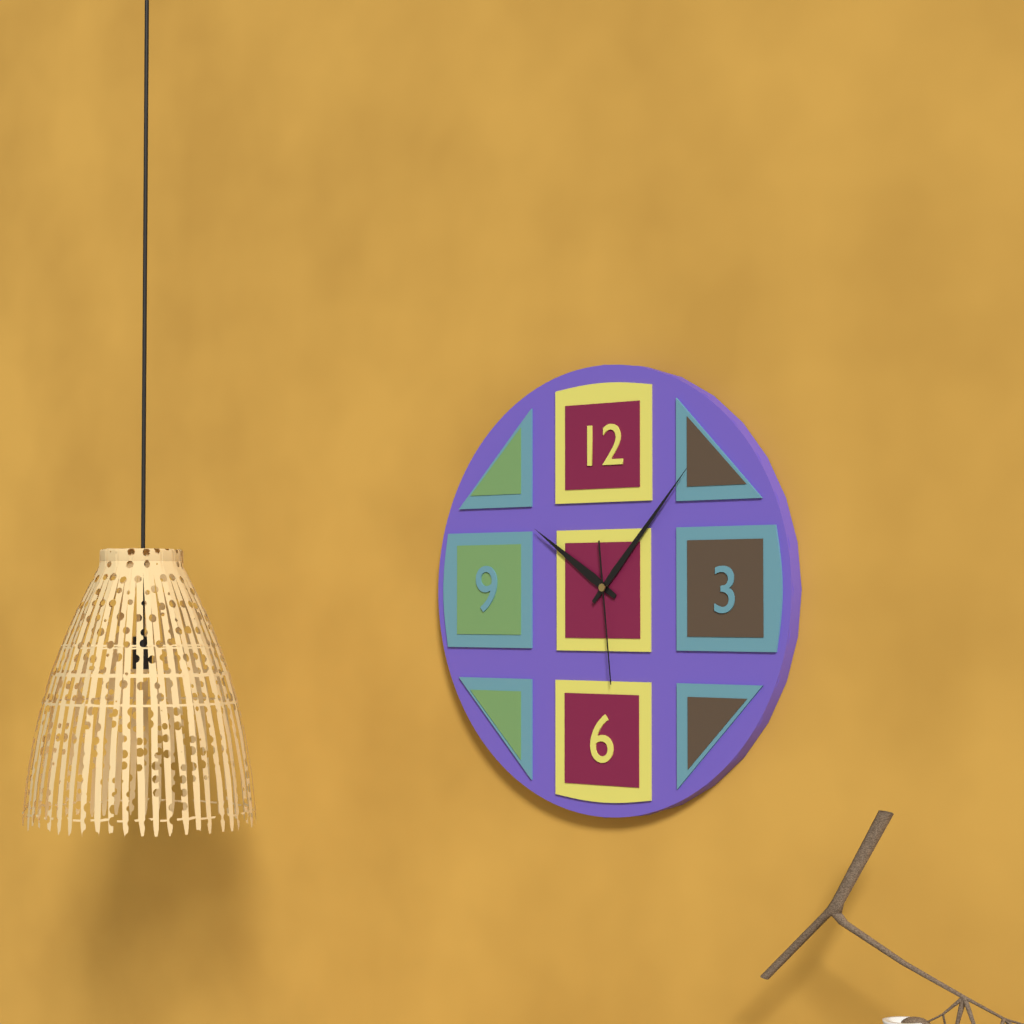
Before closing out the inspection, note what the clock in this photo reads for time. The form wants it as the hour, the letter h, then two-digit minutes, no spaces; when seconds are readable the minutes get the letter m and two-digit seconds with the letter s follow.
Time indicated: 10h07m29s
